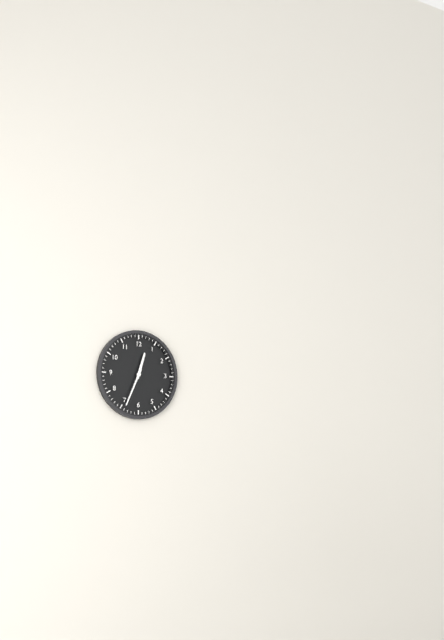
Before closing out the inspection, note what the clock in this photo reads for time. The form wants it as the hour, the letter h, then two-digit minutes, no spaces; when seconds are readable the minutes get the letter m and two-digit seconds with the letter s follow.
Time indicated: 12h34
